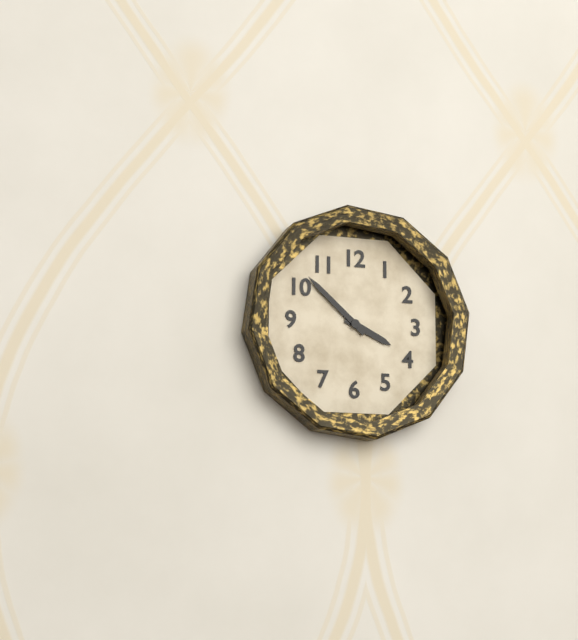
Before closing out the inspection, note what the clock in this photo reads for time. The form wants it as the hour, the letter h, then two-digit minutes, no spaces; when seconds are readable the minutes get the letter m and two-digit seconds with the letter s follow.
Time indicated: 3h52
